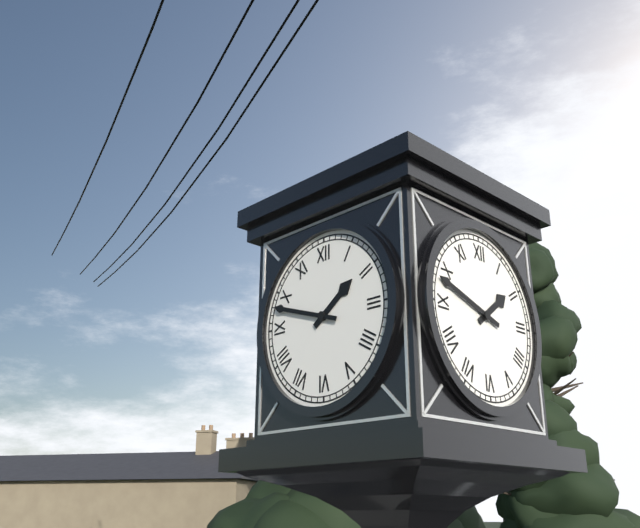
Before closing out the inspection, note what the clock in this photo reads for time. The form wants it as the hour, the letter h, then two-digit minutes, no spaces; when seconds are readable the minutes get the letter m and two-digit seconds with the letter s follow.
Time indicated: 1h48
